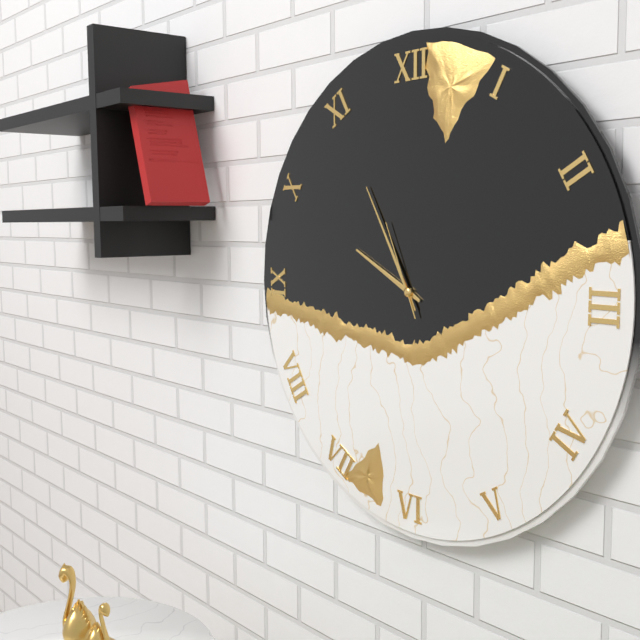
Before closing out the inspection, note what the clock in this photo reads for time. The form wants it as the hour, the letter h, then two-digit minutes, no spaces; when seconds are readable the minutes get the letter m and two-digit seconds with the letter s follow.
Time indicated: 9h55m56s
